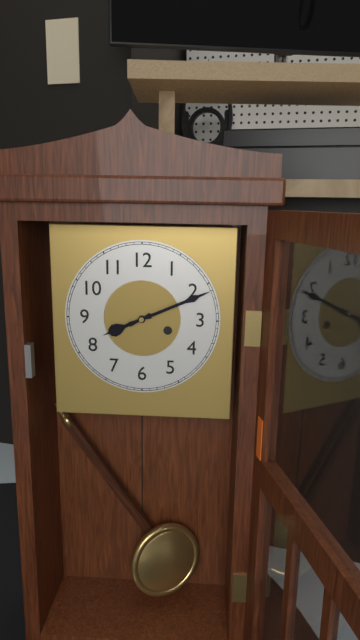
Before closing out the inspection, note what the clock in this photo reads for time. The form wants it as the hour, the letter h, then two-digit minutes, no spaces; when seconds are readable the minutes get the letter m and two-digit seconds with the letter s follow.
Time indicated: 8h11
